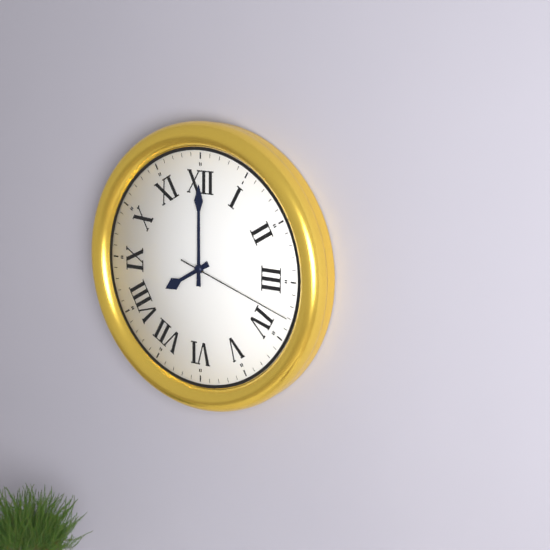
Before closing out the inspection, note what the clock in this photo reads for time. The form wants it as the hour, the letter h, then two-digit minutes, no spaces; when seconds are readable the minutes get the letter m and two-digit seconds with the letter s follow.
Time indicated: 8h00m18s
